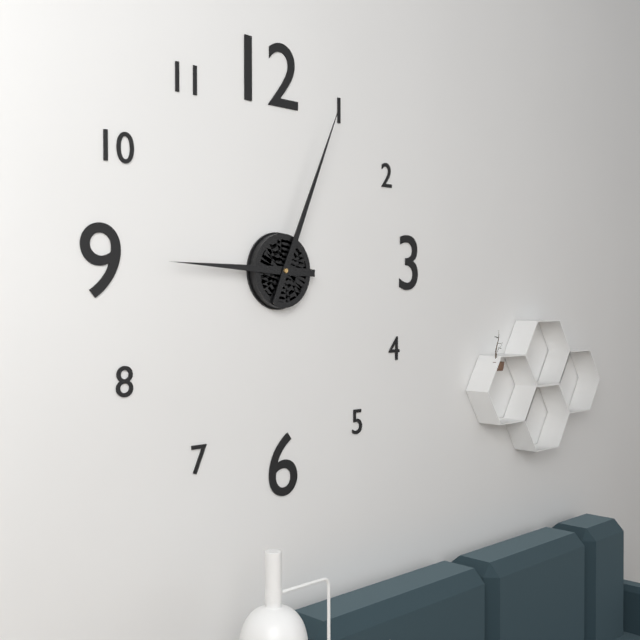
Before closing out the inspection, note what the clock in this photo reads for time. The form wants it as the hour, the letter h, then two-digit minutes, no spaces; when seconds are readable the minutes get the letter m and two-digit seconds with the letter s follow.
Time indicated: 9h04
